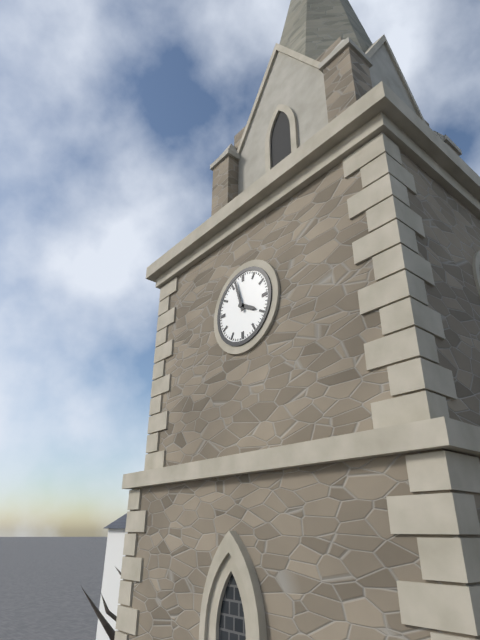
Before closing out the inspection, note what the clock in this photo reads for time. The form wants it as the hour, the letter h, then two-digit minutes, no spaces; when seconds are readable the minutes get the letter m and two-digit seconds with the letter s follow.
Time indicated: 3h57
